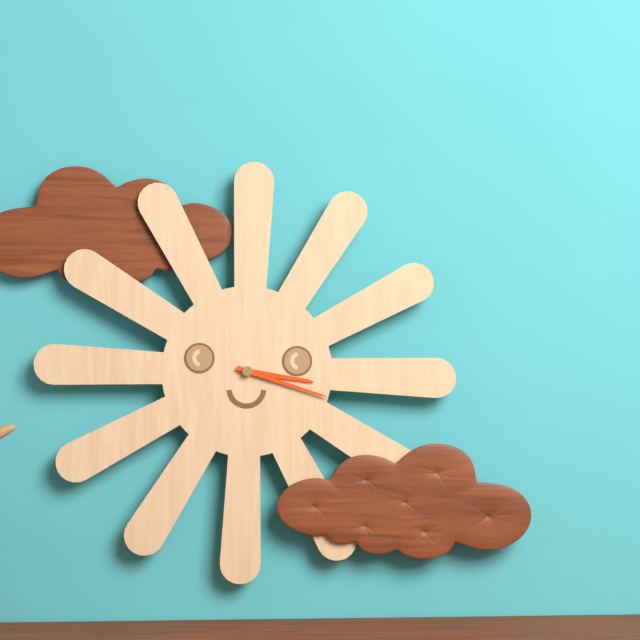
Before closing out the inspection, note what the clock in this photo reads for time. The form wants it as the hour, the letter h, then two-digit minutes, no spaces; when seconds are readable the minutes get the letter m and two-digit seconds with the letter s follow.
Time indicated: 3h18
